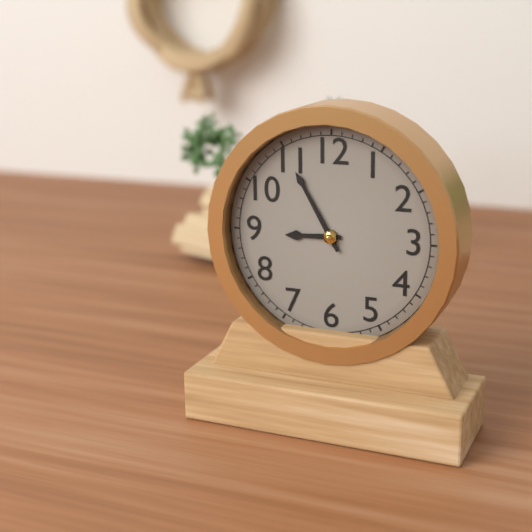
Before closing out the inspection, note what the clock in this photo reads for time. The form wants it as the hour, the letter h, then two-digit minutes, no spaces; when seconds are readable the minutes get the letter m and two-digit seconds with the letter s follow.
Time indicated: 8h55
